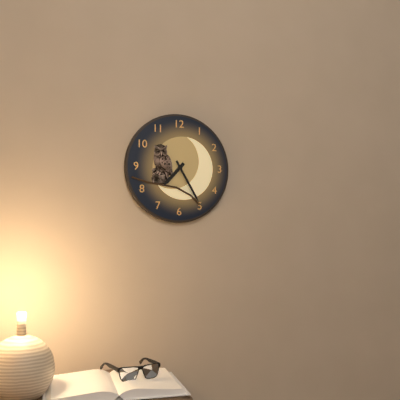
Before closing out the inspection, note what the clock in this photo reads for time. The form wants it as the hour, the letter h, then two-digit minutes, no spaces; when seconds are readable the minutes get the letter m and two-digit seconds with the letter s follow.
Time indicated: 7h25
